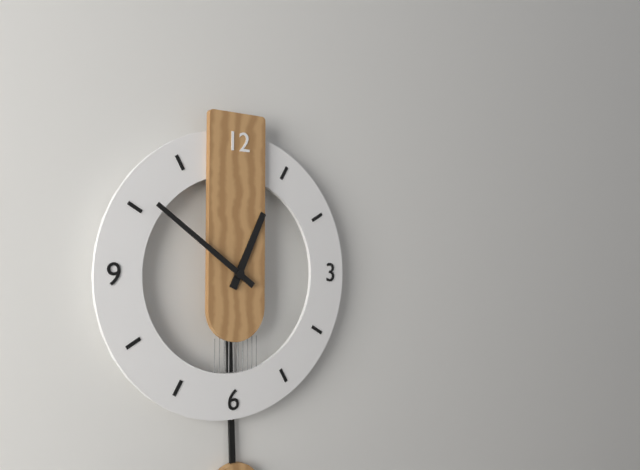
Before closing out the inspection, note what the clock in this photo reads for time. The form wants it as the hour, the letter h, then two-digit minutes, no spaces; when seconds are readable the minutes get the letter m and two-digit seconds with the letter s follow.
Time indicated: 12h51
